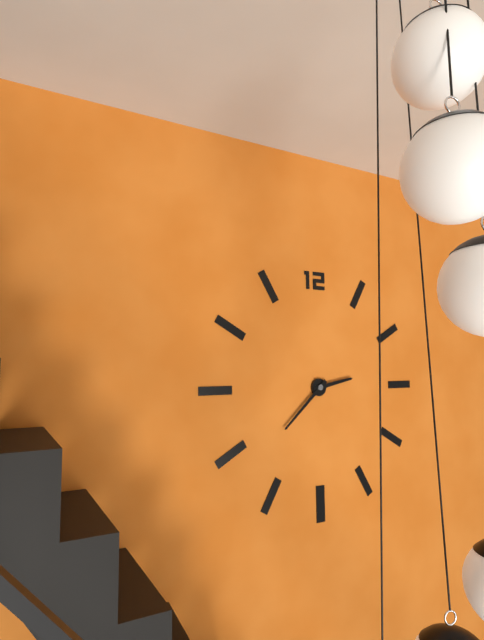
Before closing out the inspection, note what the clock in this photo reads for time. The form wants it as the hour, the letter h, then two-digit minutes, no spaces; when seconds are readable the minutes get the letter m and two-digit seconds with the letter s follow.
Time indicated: 2h38
